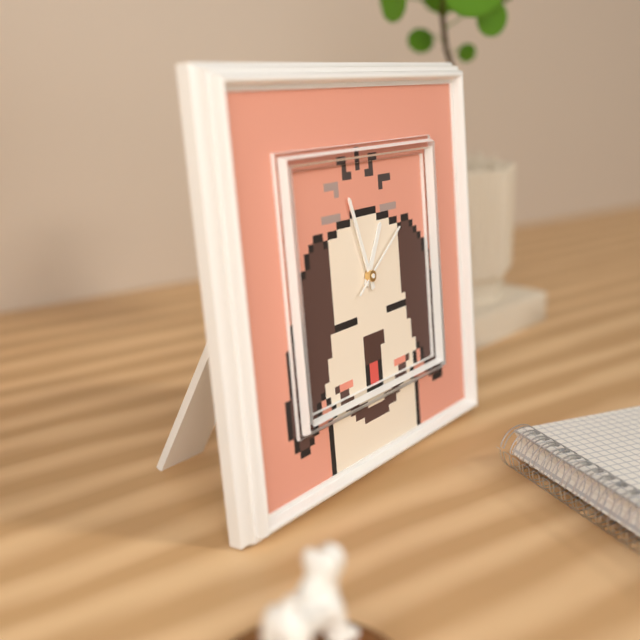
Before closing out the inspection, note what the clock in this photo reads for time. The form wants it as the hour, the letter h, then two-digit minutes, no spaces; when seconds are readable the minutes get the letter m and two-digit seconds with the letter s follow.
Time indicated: 12h57m09s
